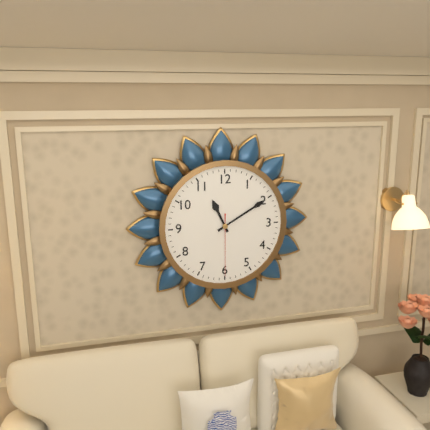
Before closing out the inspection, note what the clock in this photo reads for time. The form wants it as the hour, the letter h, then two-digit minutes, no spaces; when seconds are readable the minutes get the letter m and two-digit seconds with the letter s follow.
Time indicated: 11h10m30s
